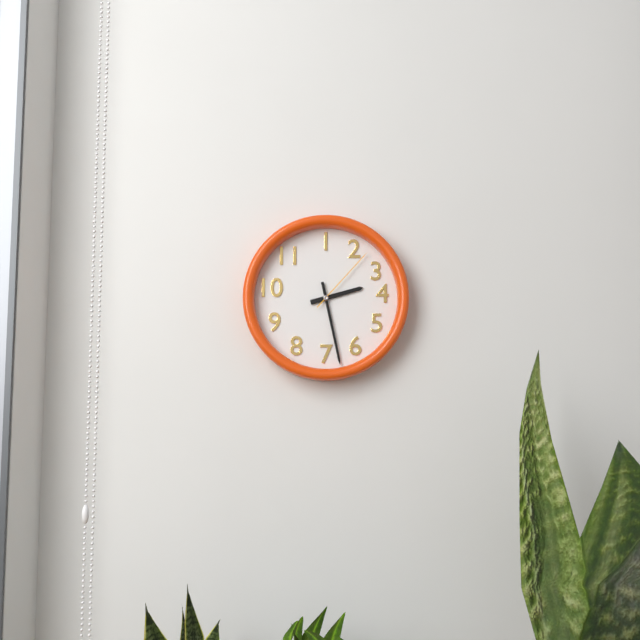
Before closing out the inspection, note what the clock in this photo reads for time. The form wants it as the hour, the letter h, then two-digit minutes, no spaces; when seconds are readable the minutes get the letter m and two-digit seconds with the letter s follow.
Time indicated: 2h28m07s
